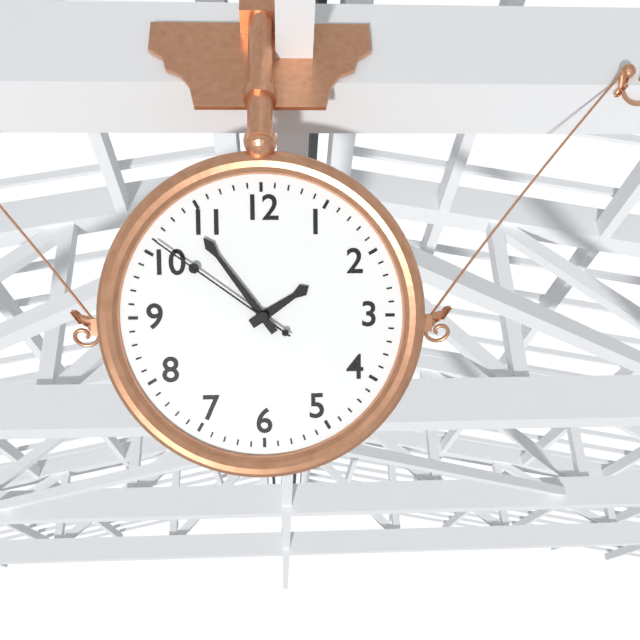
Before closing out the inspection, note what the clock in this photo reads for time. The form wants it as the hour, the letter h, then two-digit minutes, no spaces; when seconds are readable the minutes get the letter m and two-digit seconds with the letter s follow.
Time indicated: 1h54m51s
